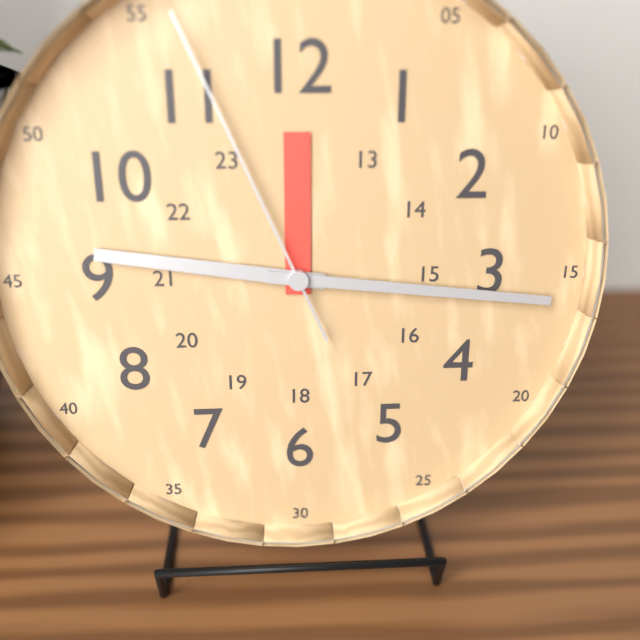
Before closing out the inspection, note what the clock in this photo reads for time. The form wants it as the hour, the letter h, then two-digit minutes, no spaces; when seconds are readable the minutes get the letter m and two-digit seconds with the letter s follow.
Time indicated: 9h16m56s
